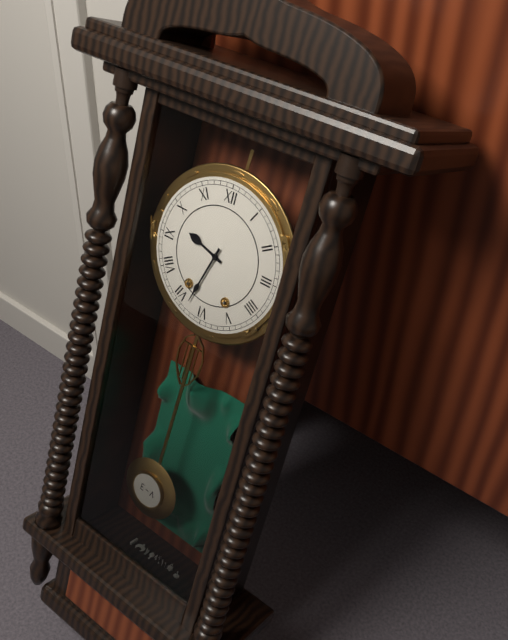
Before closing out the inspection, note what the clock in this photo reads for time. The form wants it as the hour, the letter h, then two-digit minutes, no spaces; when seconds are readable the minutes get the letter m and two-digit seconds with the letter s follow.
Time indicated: 9h33
